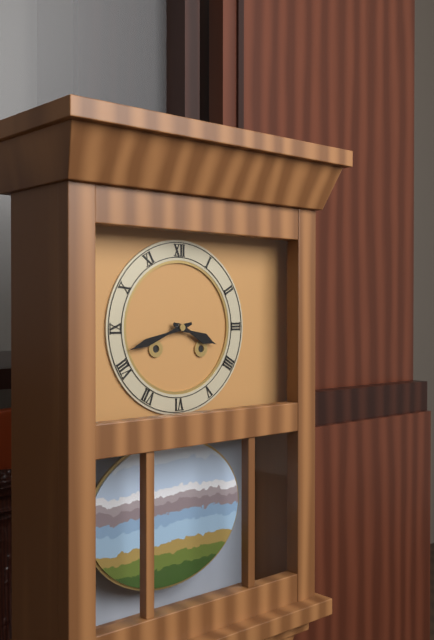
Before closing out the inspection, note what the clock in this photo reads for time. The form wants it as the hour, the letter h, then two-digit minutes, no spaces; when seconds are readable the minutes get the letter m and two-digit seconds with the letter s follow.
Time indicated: 3h42
